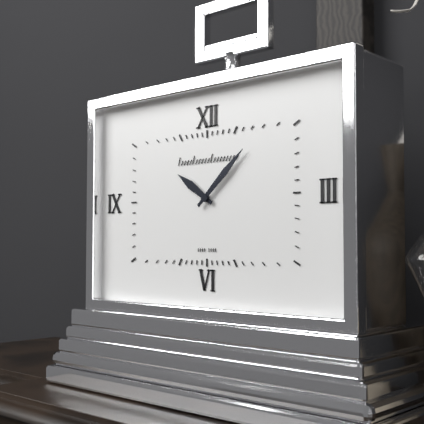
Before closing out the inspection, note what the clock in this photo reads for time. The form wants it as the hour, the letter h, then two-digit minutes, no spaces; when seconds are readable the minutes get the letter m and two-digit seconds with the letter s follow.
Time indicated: 10h08
